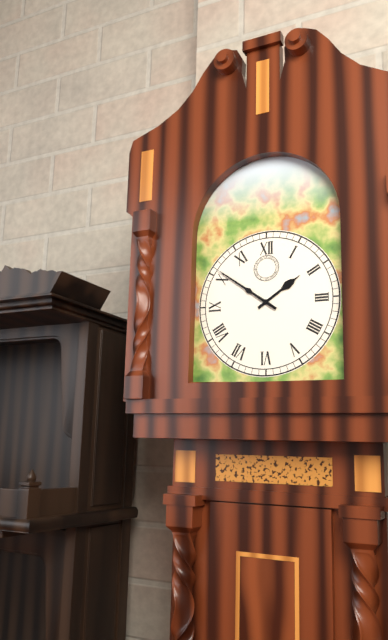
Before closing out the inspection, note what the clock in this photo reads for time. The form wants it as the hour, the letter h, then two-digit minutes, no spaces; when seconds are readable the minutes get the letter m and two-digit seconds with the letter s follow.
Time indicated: 1h51
